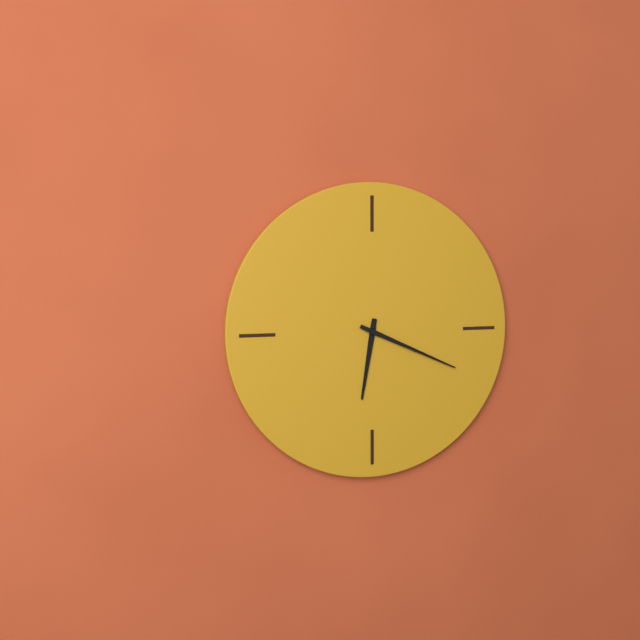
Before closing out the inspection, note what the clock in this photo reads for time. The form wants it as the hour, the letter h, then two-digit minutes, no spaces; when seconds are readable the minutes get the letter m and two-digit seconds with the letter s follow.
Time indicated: 6h19
